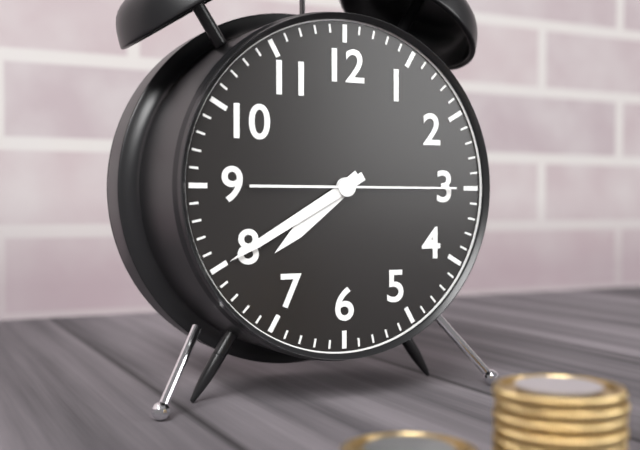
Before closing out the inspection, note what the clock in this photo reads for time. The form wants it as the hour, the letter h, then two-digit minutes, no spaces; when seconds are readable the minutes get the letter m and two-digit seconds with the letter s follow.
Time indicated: 7h40m15s
